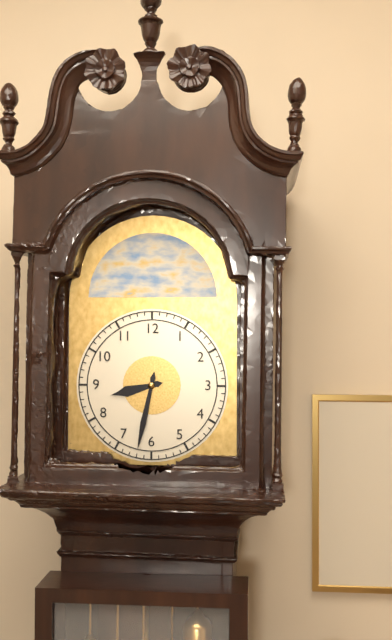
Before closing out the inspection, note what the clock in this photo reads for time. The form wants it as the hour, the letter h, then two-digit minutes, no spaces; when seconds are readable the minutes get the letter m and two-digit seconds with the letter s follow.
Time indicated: 8h32
